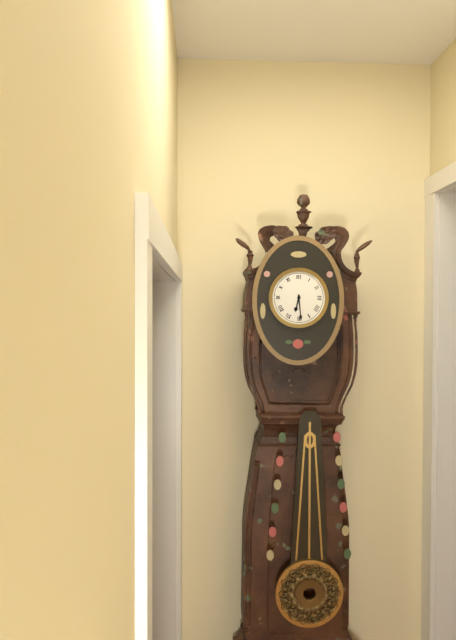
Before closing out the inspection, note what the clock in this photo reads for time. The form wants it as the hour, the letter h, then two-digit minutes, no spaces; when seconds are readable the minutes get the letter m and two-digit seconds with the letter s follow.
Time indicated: 6h29
